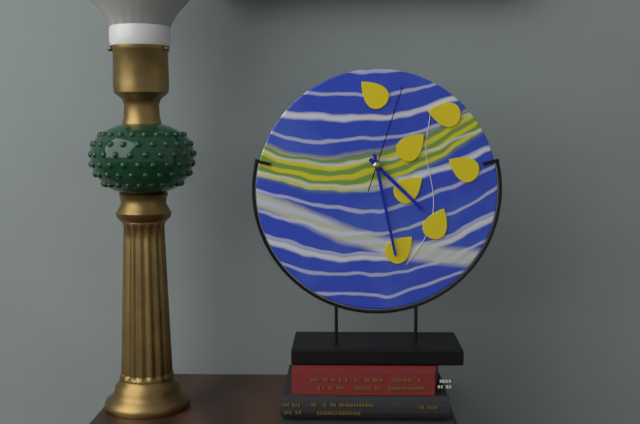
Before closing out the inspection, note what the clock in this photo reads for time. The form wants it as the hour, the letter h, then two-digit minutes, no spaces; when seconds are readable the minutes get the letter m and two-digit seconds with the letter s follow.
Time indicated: 4h28m03s
